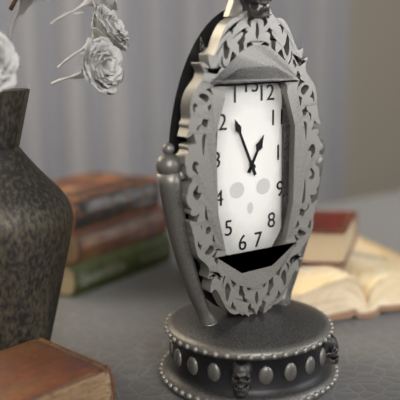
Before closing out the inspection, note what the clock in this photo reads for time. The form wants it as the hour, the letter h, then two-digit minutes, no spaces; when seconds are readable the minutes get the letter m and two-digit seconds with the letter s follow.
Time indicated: 12h56
